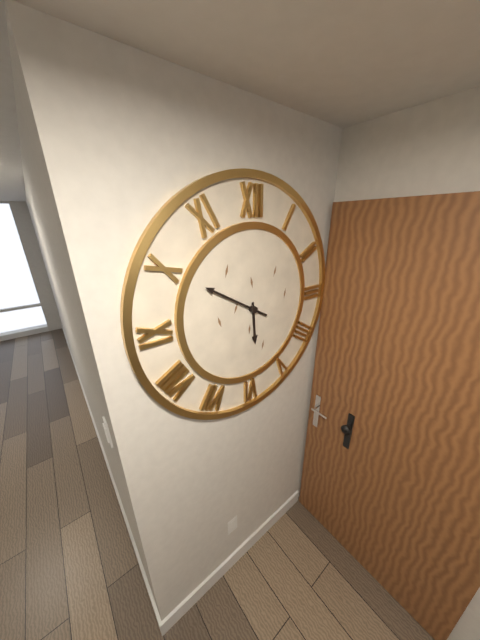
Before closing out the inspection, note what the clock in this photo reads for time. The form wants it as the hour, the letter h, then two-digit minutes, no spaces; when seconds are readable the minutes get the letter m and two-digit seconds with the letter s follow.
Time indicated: 5h50
